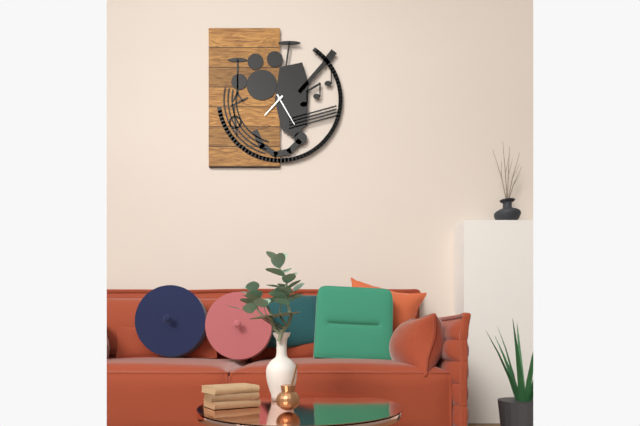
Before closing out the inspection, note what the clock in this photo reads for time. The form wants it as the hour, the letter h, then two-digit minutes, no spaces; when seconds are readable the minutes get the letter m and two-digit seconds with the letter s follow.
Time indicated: 7h25
